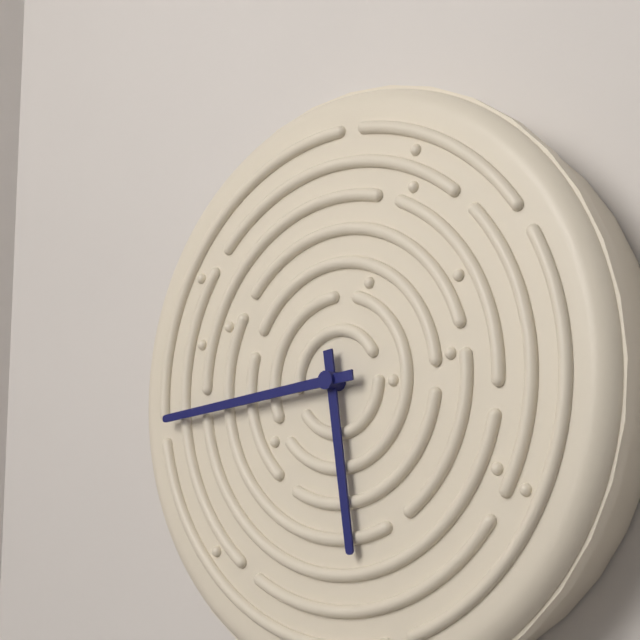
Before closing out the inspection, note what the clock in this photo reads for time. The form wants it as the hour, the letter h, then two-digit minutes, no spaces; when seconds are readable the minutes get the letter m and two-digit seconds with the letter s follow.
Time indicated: 5h44
